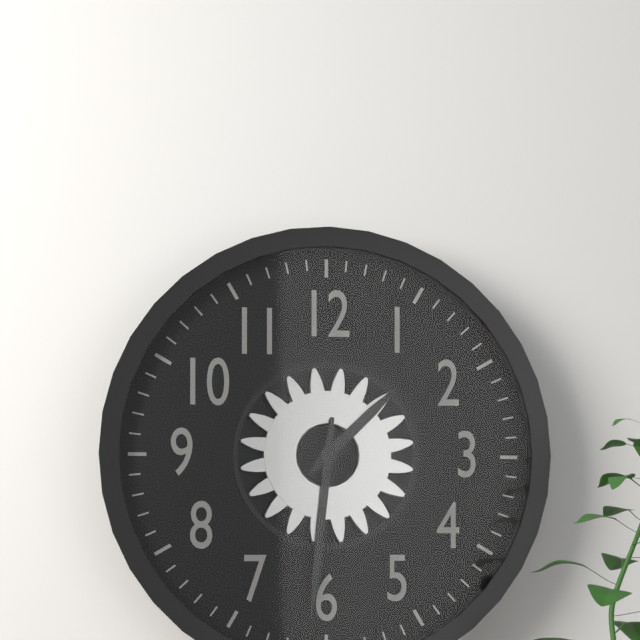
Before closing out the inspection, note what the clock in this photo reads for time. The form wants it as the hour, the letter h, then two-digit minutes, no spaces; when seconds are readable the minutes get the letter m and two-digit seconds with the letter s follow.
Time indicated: 1h31
